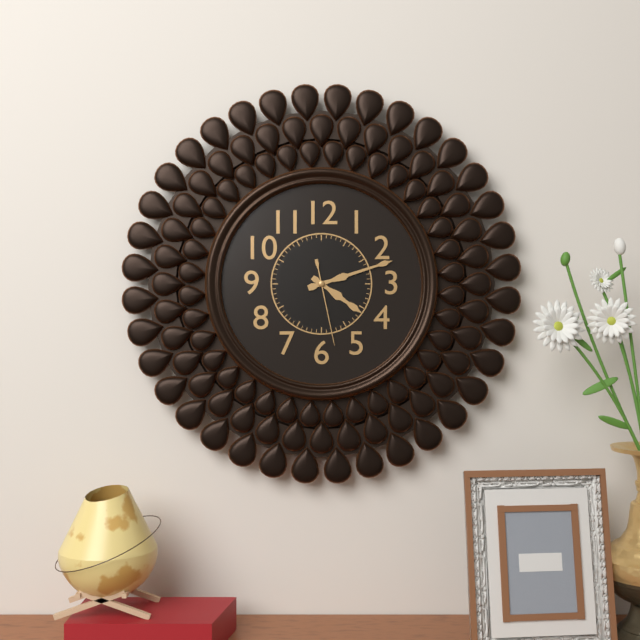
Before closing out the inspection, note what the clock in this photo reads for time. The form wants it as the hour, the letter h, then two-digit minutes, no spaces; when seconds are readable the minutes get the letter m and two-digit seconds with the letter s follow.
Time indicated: 4h12m28s
